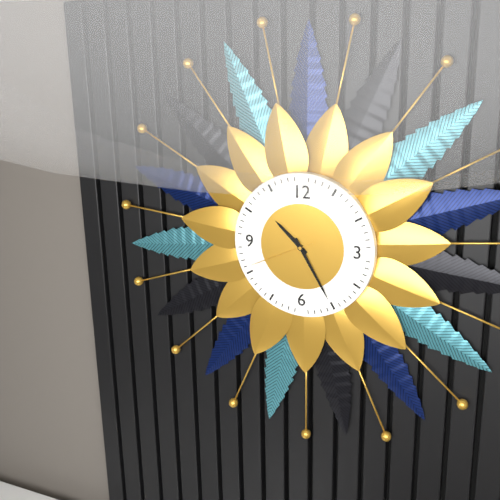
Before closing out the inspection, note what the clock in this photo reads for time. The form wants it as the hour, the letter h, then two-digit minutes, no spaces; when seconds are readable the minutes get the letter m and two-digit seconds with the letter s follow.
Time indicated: 10h25m41s
